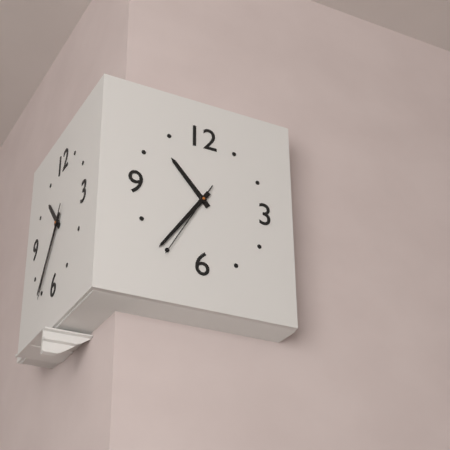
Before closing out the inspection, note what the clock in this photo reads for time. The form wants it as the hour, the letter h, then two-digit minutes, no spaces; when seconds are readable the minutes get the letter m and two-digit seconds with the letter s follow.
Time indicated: 10h36m35s
